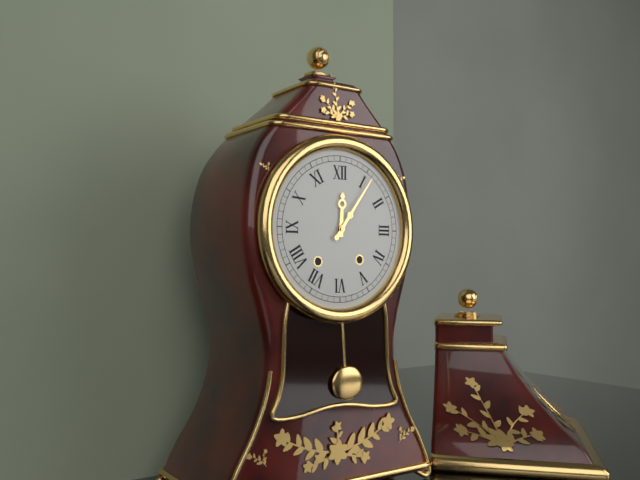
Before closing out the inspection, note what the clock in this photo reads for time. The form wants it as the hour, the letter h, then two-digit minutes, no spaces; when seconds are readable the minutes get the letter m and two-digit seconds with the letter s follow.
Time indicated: 12h06
